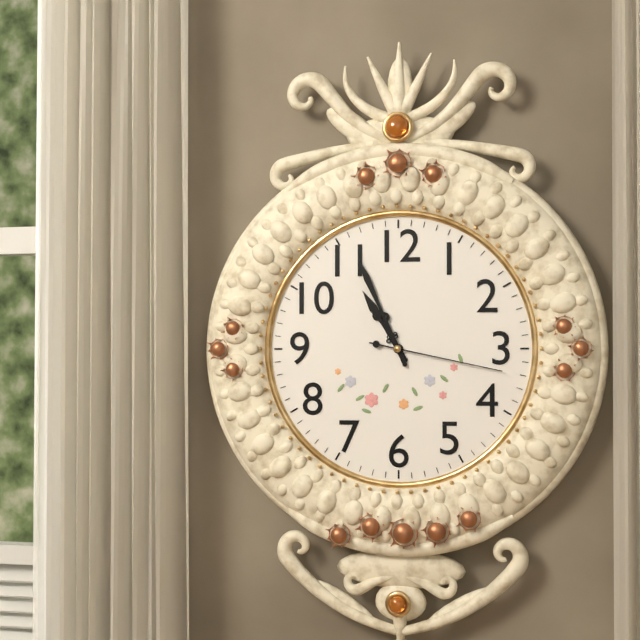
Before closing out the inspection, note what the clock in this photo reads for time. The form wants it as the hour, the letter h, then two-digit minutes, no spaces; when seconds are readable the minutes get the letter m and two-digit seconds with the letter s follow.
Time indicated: 10h56m17s
